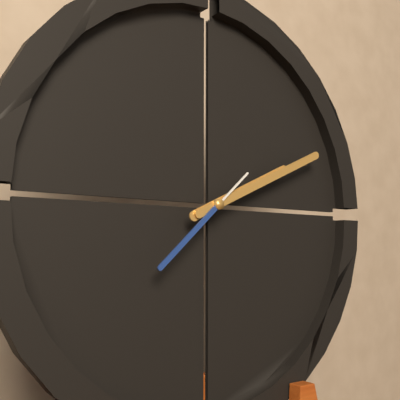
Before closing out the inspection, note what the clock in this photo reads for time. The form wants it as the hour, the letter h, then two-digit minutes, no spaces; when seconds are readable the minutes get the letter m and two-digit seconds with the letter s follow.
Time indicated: 2h11m38s
